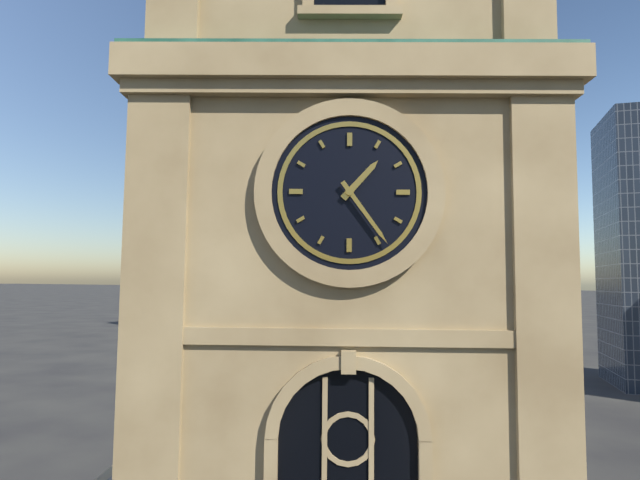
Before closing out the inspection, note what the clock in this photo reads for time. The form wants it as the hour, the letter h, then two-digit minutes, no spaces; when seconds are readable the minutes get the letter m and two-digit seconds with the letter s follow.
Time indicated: 1h24
